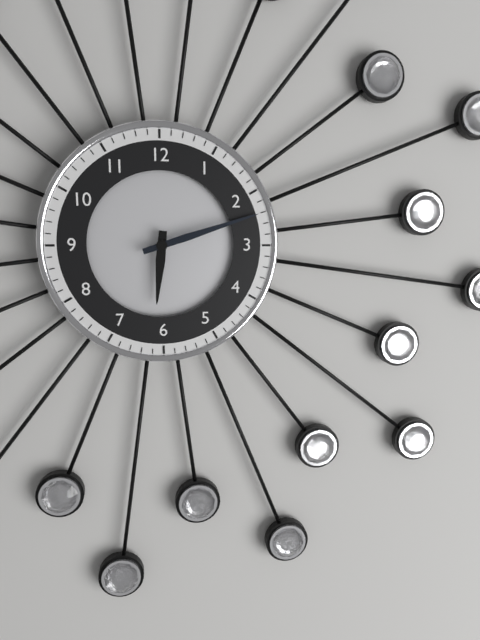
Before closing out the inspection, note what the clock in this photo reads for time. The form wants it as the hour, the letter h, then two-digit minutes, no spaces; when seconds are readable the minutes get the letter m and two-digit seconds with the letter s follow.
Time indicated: 6h12
